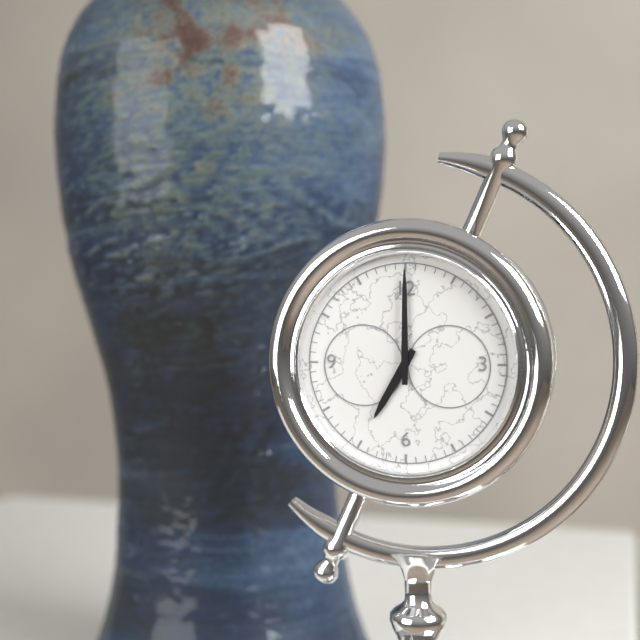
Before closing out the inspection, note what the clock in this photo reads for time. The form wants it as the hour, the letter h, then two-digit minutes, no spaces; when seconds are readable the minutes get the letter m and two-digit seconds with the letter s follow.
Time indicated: 7h00
